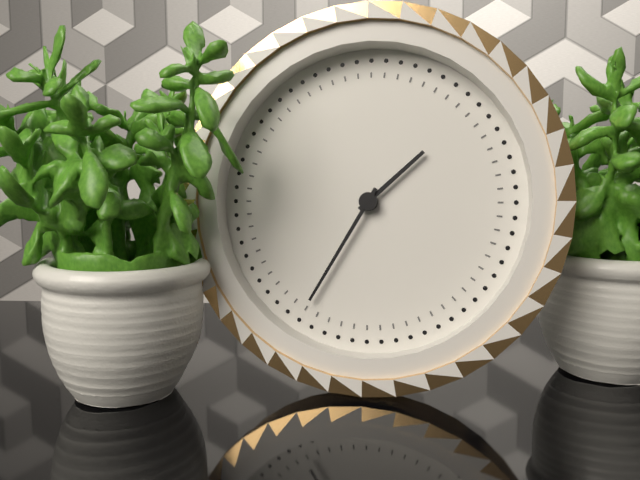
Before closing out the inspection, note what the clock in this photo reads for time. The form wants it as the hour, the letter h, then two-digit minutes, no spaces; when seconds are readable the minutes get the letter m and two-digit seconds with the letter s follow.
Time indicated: 1h35
